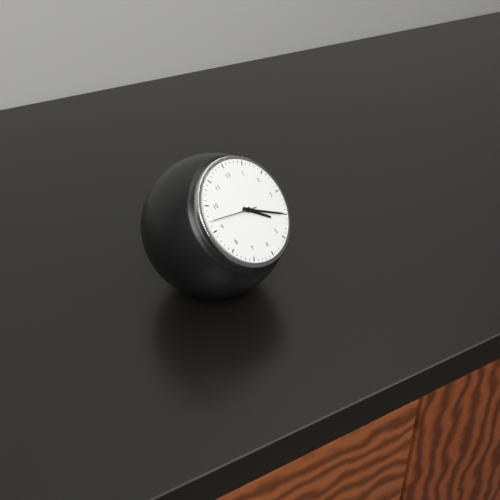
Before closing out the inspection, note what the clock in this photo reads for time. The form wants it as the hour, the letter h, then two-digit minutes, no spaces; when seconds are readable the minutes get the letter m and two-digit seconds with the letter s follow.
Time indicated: 4h20
